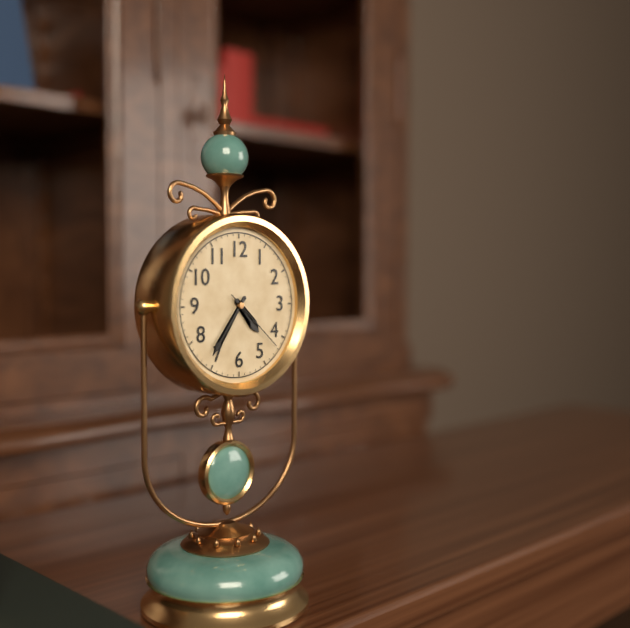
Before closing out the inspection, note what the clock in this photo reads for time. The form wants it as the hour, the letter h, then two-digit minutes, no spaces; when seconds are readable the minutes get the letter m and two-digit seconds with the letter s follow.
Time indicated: 4h36m22s
